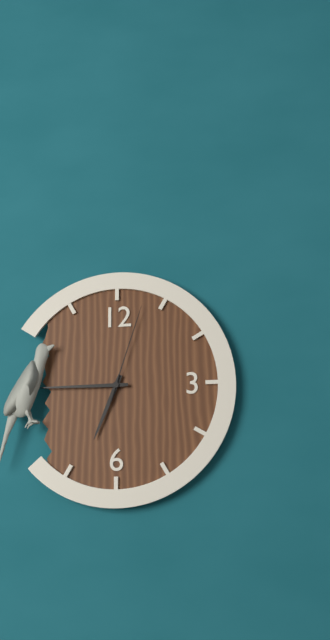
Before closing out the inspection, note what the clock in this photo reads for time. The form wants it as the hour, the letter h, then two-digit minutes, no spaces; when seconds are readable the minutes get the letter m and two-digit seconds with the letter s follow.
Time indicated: 6h45m03s
